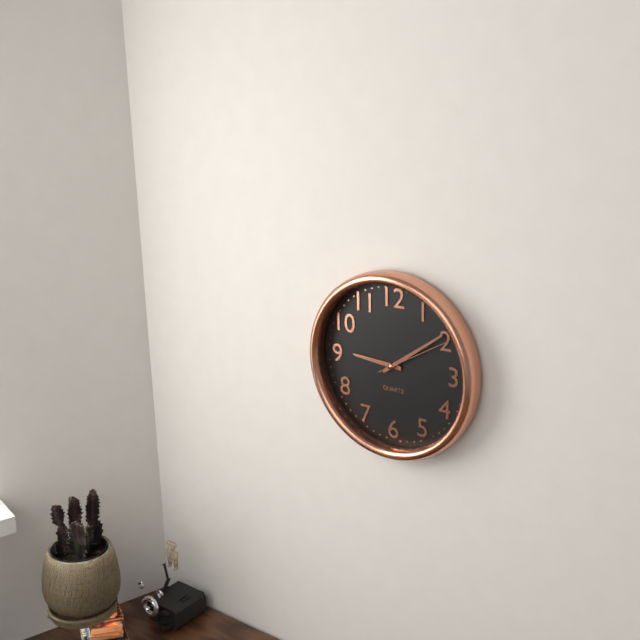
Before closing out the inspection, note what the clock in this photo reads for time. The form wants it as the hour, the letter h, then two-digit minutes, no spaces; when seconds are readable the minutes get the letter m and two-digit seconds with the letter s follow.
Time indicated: 9h09m10s
